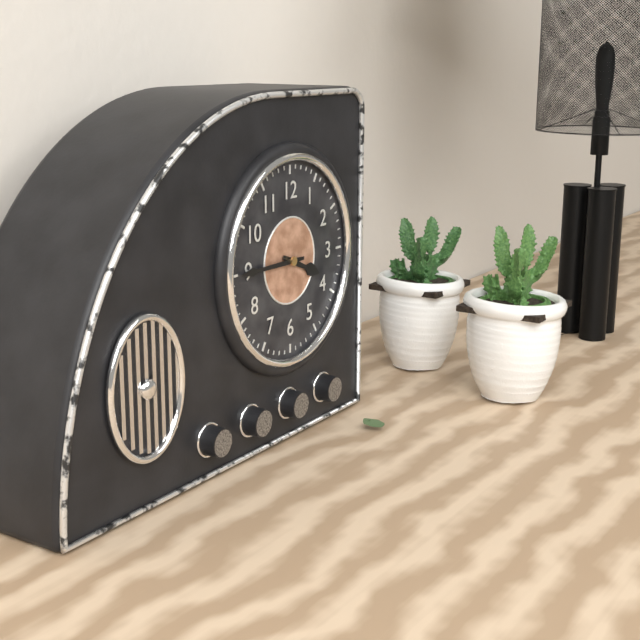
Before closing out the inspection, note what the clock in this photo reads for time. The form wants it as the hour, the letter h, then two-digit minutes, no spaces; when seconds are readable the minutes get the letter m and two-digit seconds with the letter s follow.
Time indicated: 3h45
